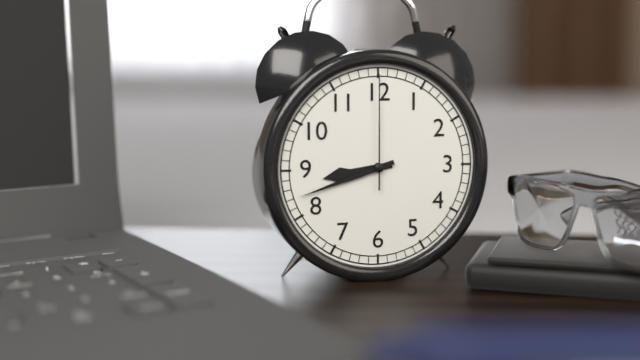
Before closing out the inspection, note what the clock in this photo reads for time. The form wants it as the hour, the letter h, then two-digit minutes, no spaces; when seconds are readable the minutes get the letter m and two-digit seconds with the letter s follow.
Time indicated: 8h42m00s
